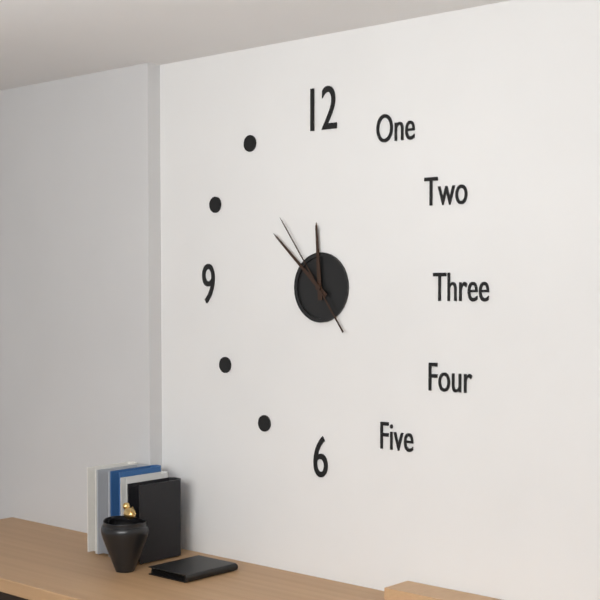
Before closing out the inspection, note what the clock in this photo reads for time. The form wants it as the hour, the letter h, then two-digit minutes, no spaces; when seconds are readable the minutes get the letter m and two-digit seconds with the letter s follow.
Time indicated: 11h52m54s
